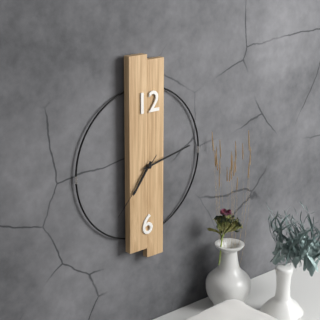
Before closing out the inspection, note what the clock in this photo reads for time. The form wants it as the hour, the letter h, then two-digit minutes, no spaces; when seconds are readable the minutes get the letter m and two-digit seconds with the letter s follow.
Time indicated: 7h13m37s
